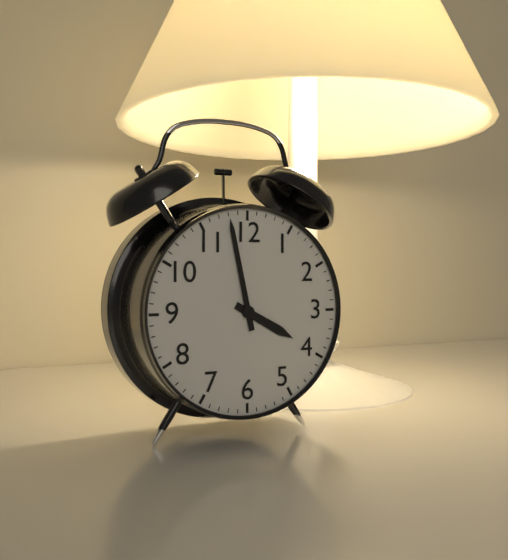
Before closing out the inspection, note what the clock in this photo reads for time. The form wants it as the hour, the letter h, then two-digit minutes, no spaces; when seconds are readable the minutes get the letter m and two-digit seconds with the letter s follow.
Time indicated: 3h58
